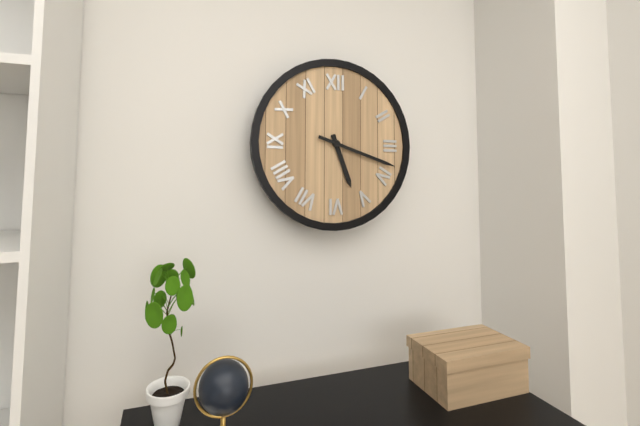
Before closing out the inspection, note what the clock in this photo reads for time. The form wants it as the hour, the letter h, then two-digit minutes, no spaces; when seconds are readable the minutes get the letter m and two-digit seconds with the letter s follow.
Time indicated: 5h18
